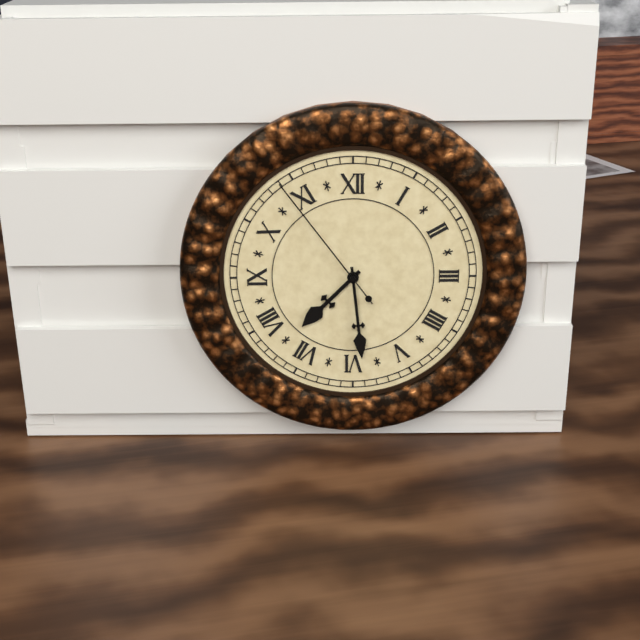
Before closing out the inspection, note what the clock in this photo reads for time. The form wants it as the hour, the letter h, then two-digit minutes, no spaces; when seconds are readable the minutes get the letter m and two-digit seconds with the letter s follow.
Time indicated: 7h29m54s
